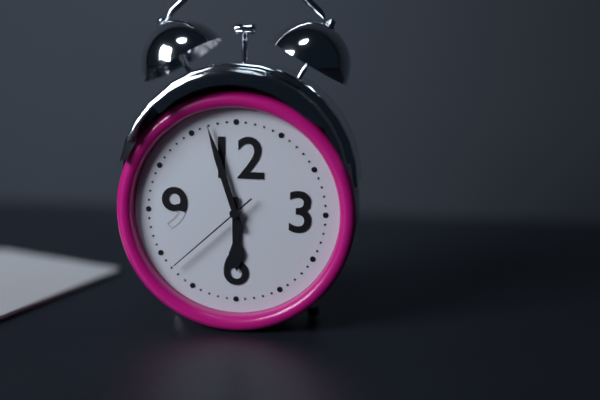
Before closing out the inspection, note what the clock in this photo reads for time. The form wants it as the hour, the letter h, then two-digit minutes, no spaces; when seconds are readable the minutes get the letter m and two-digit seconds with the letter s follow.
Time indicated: 5h57m38s
